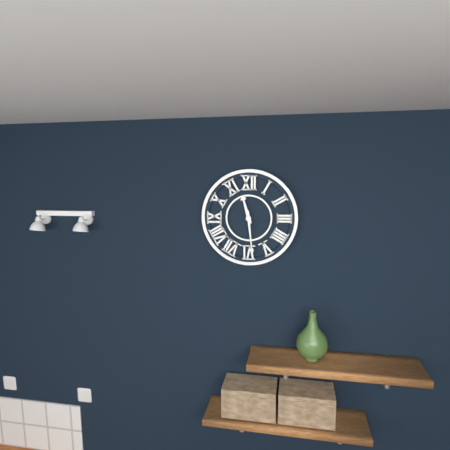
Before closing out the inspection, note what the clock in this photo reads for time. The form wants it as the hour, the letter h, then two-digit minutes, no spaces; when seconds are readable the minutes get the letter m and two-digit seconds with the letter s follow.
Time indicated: 11h29
